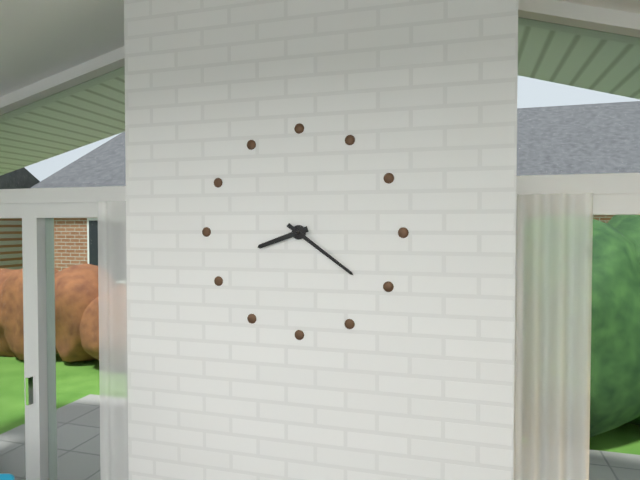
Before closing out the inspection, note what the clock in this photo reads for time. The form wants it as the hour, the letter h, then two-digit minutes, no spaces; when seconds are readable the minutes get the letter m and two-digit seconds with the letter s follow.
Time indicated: 8h21
